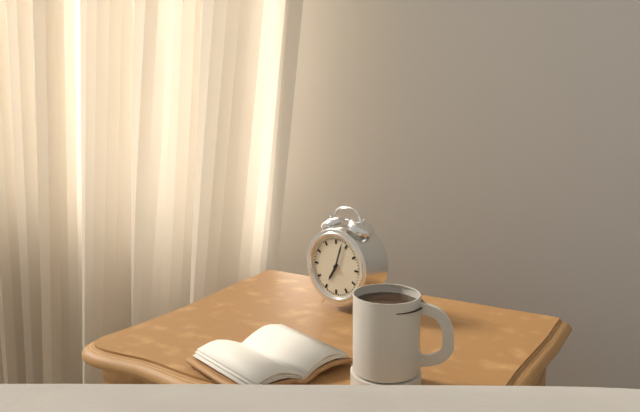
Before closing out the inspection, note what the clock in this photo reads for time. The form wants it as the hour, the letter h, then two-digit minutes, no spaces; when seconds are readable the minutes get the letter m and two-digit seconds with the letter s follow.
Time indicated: 7h03
